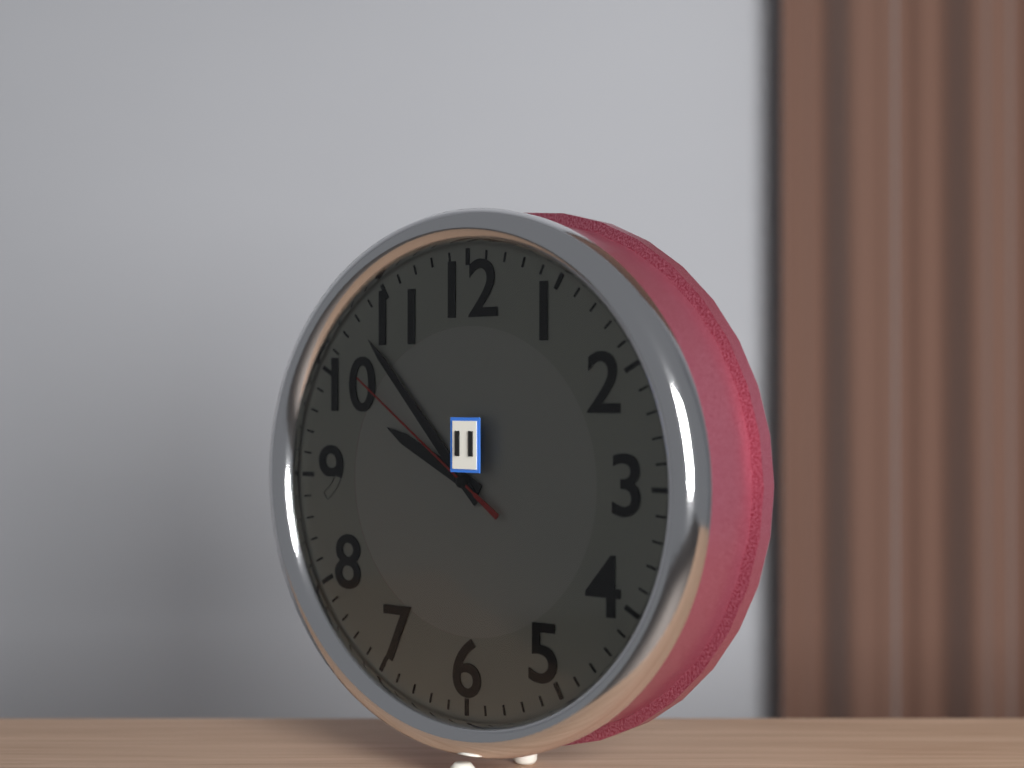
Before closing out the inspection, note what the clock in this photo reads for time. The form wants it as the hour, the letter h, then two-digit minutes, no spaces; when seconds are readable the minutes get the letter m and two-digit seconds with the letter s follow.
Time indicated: 9h53m51s
